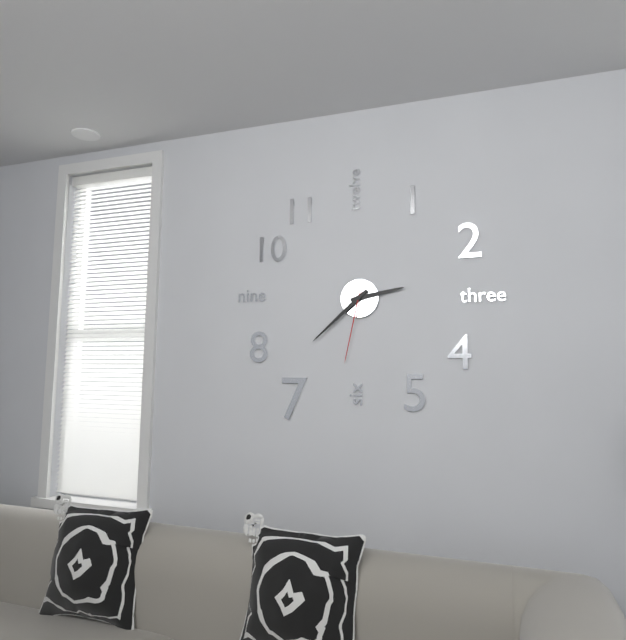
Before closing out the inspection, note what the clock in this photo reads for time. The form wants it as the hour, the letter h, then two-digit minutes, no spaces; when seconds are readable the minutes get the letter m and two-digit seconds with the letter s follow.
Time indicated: 2h38m32s
